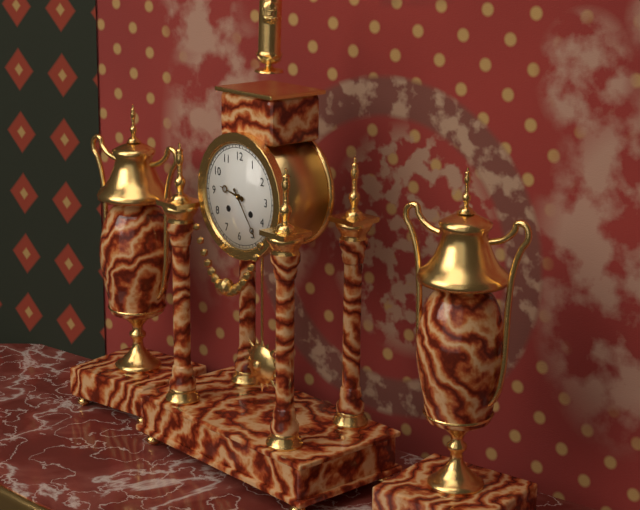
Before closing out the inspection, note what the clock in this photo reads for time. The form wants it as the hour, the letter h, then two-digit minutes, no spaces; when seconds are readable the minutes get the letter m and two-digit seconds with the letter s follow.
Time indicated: 9h24
